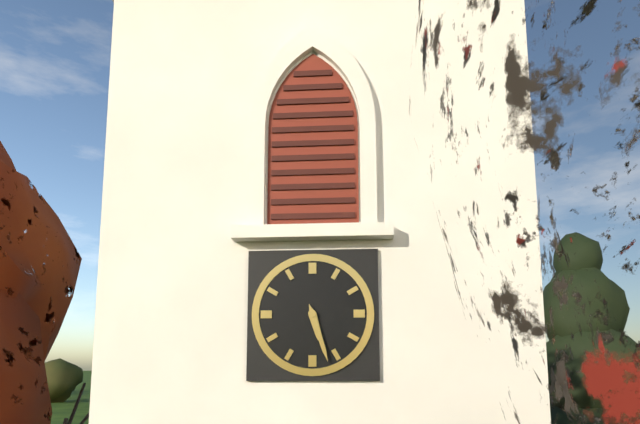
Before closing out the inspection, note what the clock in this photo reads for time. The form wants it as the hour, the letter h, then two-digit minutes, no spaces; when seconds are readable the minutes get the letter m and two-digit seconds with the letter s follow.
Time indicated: 5h27
